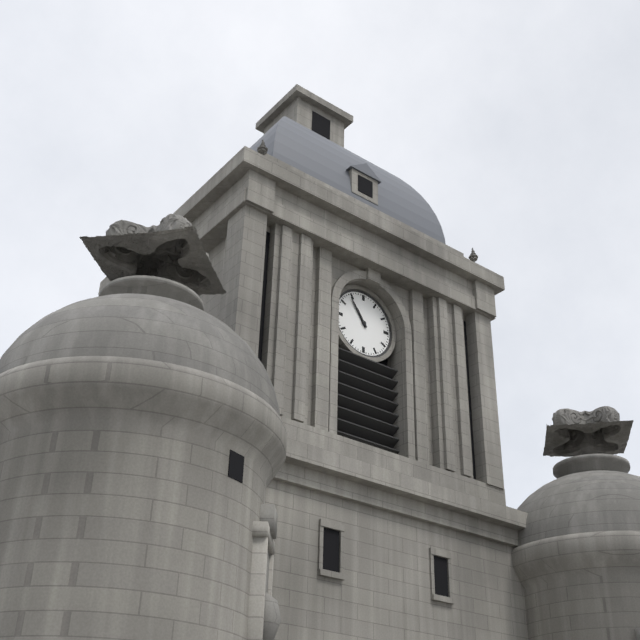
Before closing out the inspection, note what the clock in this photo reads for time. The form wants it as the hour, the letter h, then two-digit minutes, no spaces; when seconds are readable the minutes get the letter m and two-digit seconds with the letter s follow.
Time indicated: 10h54
